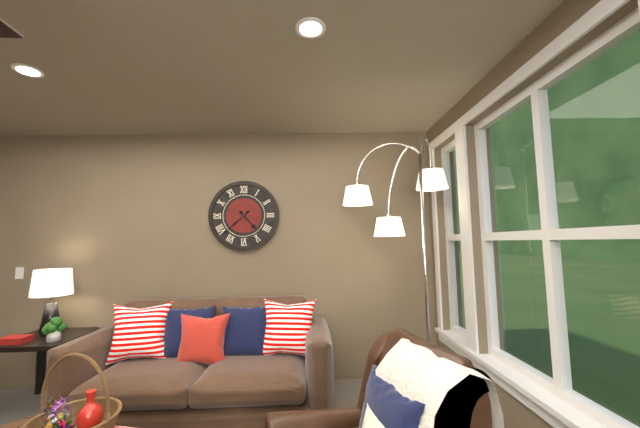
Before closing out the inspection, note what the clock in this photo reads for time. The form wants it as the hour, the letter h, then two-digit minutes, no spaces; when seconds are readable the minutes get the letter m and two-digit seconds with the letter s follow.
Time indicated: 4h38
